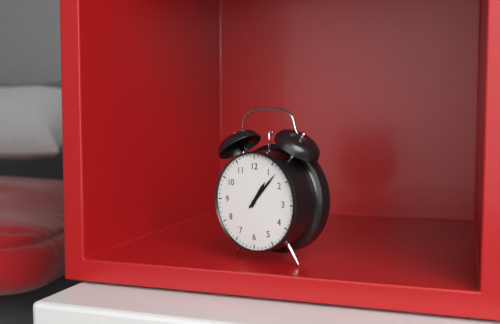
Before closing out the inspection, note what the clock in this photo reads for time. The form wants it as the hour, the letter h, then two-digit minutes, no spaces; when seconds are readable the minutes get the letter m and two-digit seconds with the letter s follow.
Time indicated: 1h07
